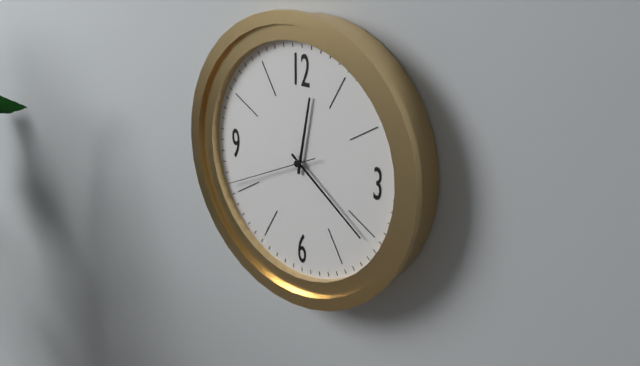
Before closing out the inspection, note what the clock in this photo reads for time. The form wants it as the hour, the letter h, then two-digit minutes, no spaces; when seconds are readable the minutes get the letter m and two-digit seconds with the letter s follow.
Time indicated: 12h21m41s
